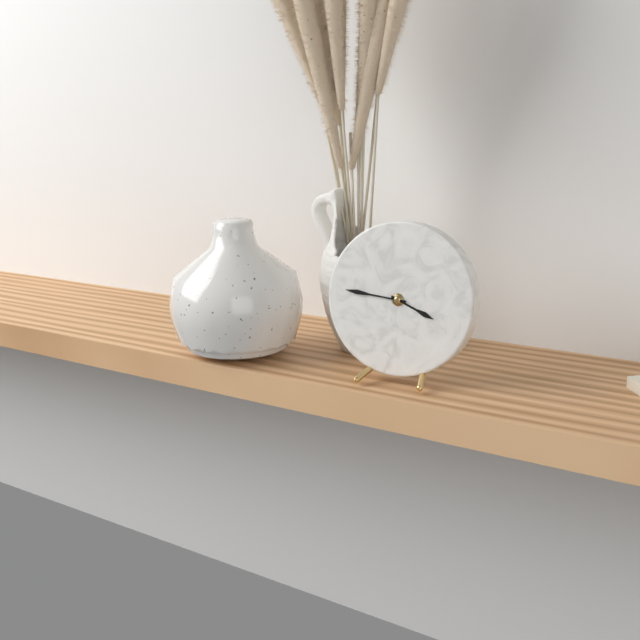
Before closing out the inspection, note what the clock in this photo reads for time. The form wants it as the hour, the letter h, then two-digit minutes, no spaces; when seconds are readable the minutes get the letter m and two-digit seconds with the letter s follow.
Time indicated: 3h46
